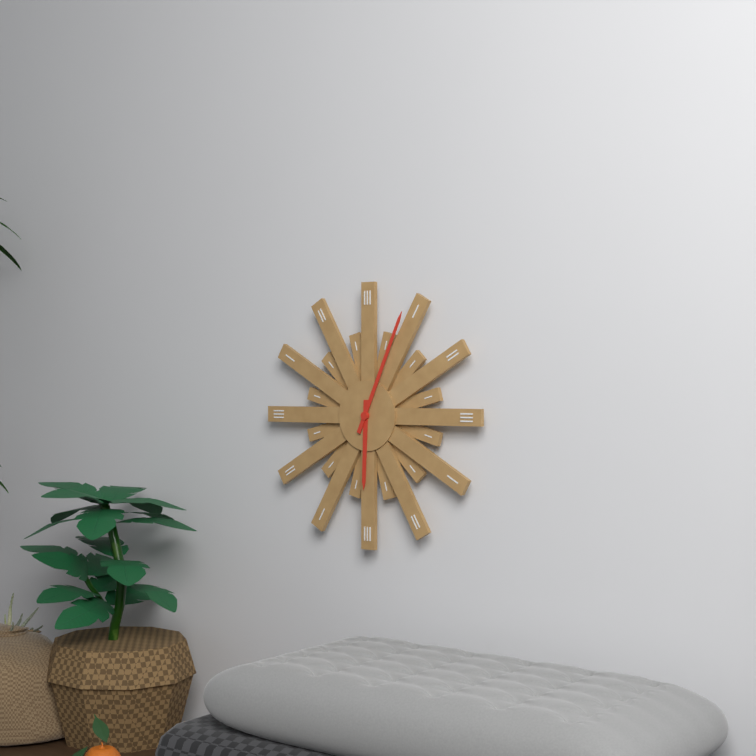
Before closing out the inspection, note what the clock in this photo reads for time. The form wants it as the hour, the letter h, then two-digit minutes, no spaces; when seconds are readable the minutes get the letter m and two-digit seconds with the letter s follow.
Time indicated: 6h04
